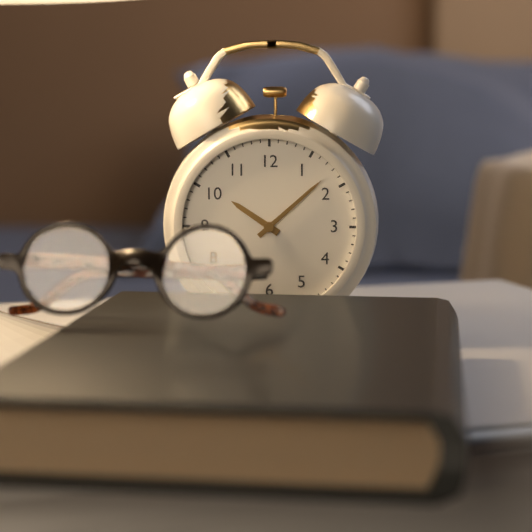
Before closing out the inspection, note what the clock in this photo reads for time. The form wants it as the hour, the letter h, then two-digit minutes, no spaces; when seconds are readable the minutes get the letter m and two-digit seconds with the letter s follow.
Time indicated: 10h08
